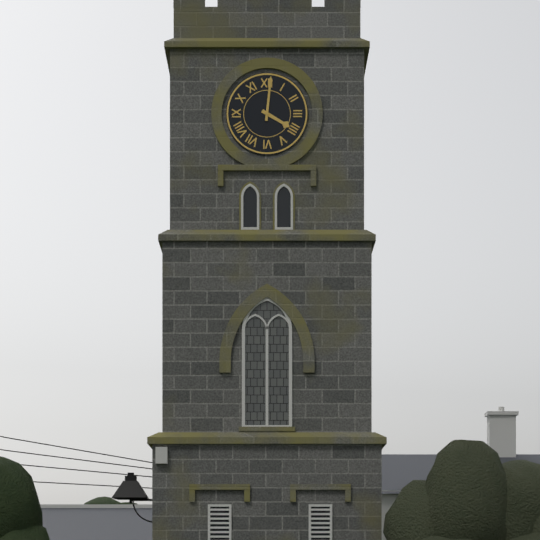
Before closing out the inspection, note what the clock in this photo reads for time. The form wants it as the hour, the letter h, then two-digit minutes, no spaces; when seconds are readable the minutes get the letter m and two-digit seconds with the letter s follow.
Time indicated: 4h01
